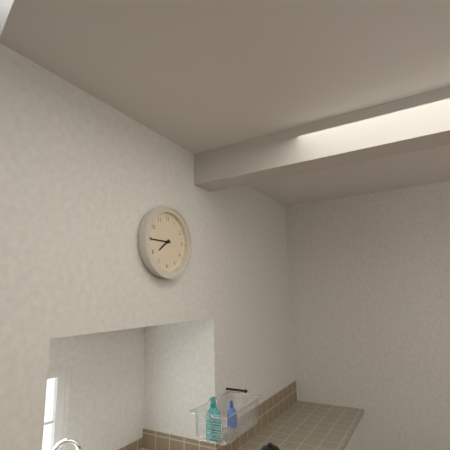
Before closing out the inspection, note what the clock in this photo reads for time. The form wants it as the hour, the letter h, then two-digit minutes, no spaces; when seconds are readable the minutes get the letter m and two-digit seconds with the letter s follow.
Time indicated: 7h45
